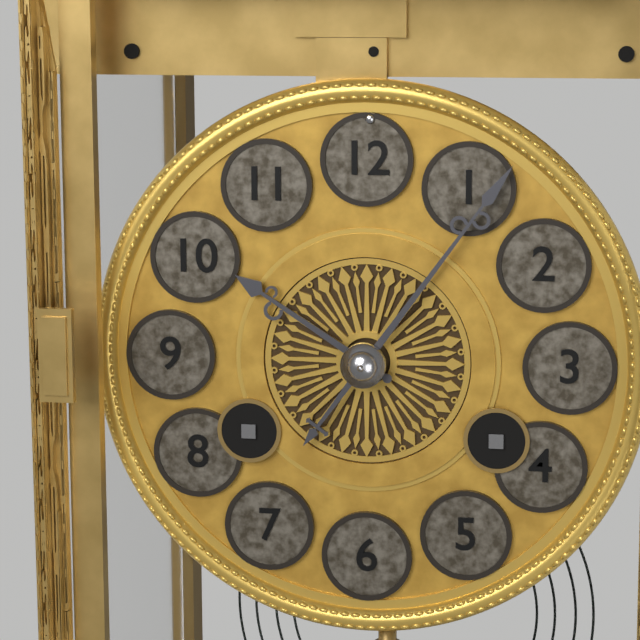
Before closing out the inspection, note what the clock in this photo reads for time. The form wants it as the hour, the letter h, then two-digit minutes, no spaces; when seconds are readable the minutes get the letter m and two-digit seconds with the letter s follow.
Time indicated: 10h06
